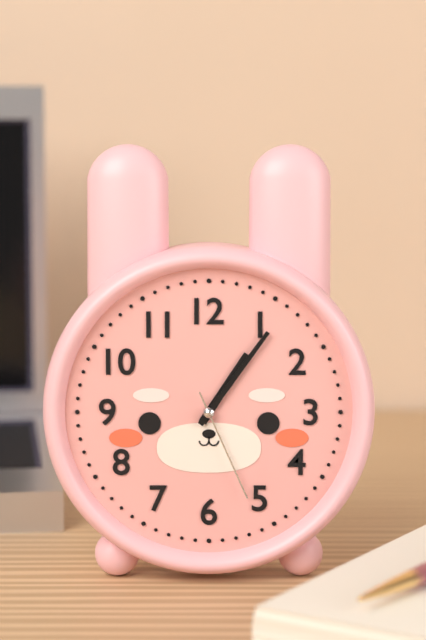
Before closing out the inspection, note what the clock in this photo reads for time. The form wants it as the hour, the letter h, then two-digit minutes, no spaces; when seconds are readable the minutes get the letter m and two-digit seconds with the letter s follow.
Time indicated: 1h06m26s
